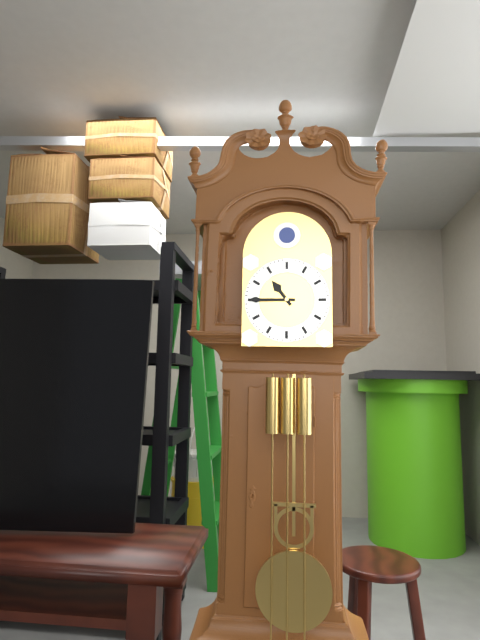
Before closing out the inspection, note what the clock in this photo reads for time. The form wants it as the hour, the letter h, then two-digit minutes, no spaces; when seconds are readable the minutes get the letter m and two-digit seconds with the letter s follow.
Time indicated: 10h45
